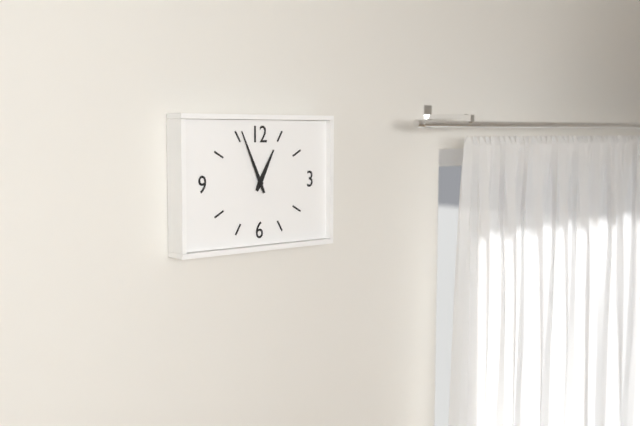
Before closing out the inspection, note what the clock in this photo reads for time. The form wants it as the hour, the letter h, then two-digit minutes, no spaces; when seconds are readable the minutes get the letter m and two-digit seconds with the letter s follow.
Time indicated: 12h56
